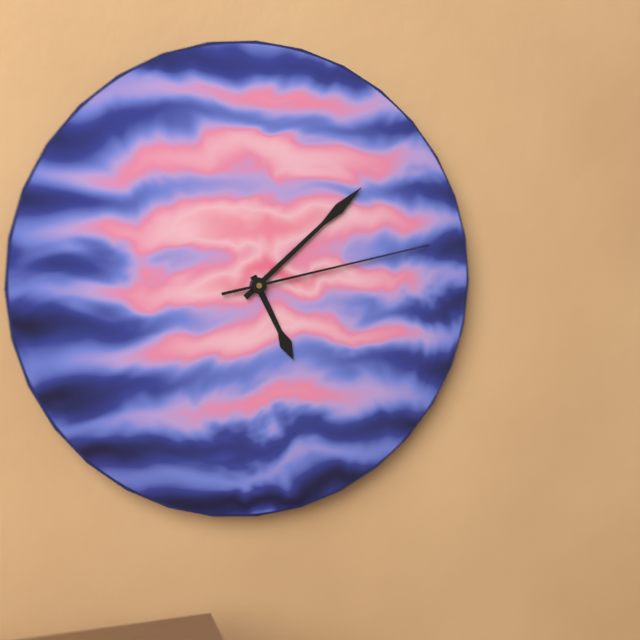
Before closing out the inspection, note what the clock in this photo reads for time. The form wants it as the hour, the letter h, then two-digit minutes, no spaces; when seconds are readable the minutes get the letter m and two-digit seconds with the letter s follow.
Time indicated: 5h08m13s
